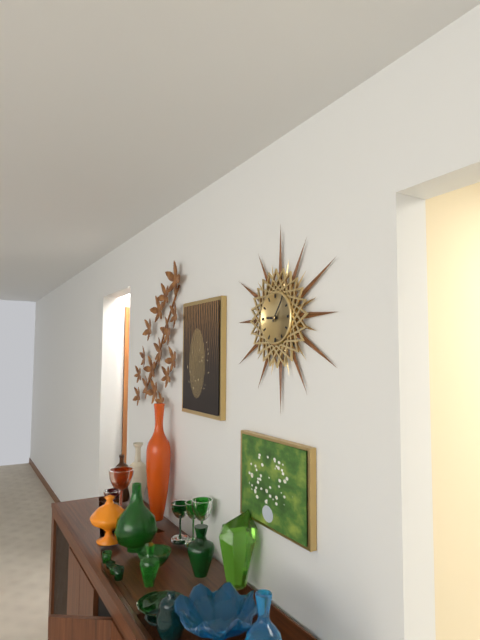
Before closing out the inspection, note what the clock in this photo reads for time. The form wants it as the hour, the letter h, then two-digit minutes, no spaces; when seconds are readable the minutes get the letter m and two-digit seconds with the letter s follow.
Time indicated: 9h06
